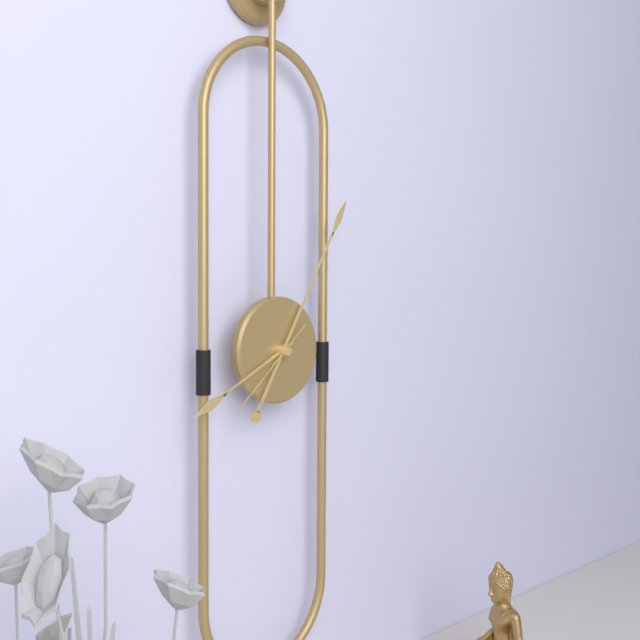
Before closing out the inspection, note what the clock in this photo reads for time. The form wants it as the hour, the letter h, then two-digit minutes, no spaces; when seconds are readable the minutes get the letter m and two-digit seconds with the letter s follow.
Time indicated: 8h05m38s
